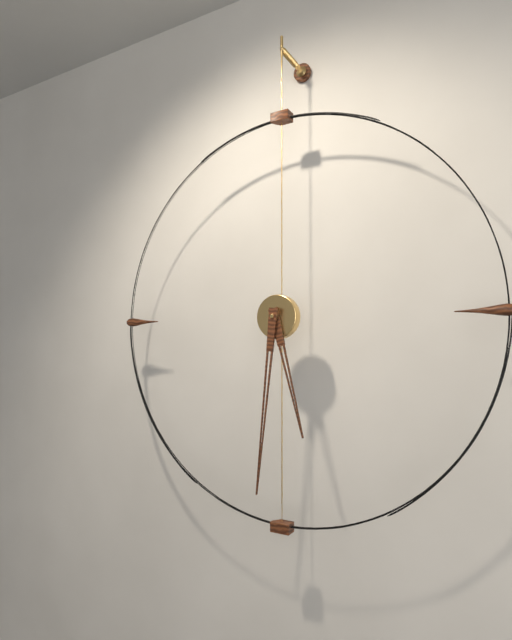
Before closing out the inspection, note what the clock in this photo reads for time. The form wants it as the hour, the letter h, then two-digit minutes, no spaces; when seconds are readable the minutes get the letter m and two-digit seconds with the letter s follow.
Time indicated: 5h31
